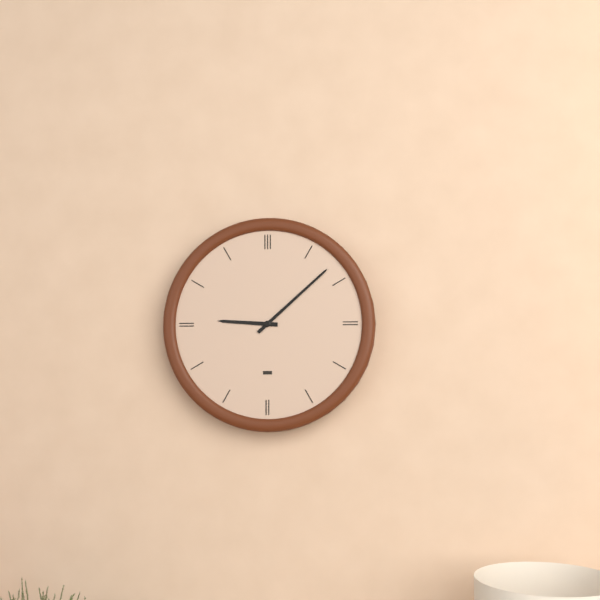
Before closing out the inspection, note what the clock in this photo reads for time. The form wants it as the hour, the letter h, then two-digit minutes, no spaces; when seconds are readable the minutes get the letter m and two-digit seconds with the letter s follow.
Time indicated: 9h08
